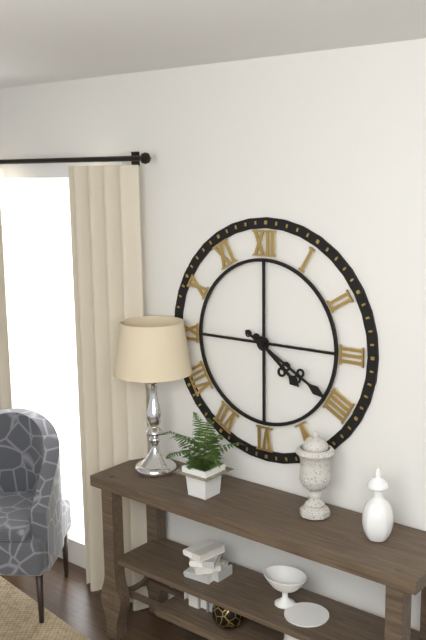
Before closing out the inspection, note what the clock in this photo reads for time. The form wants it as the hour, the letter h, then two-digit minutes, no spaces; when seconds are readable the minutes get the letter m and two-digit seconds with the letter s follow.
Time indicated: 4h20
